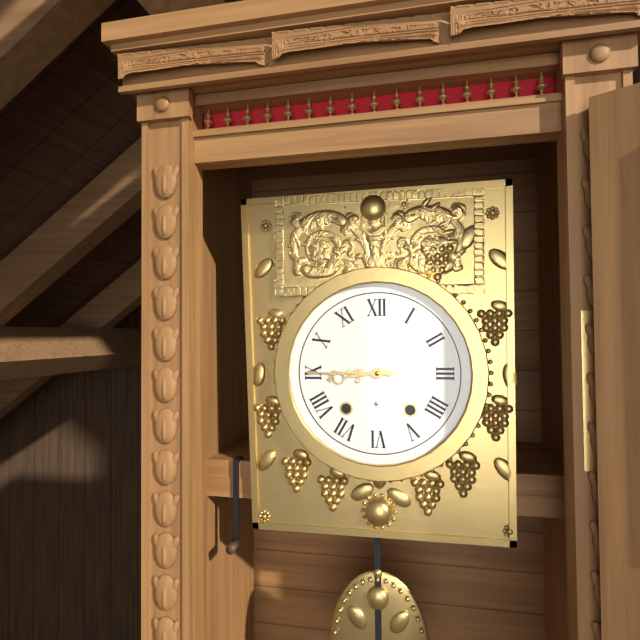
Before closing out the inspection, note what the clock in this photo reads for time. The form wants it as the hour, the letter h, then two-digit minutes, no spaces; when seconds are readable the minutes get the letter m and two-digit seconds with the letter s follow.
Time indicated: 8h45
